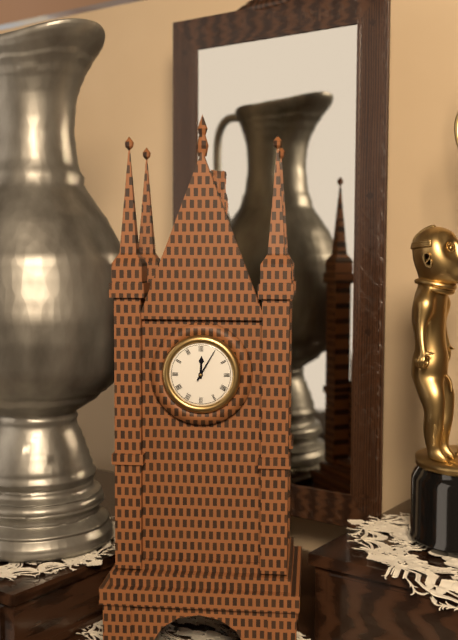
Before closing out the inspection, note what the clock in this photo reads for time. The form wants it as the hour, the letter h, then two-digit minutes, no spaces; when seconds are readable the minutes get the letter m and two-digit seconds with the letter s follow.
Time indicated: 12h05
